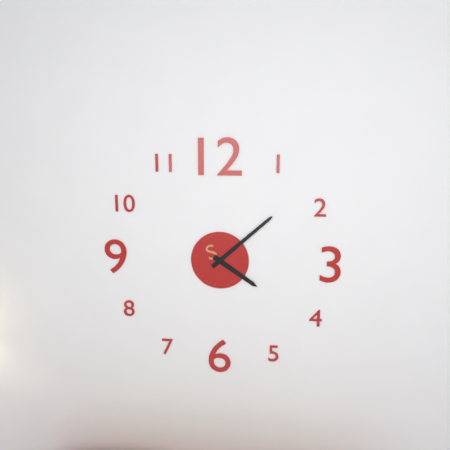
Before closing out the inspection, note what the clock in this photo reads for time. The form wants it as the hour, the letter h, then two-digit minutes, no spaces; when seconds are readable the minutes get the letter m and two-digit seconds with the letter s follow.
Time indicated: 4h08
